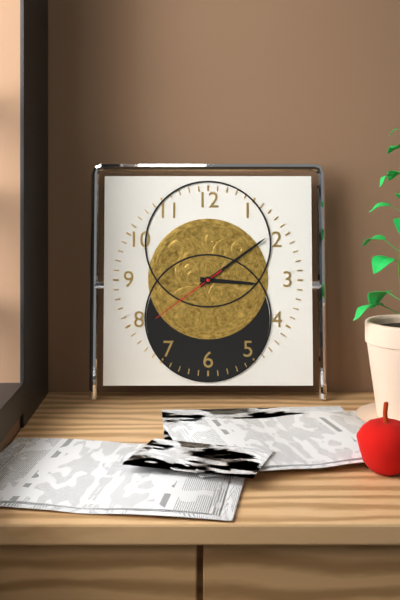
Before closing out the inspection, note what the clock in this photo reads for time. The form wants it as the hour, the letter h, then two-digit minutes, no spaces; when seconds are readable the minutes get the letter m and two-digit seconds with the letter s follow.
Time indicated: 3h09m39s
